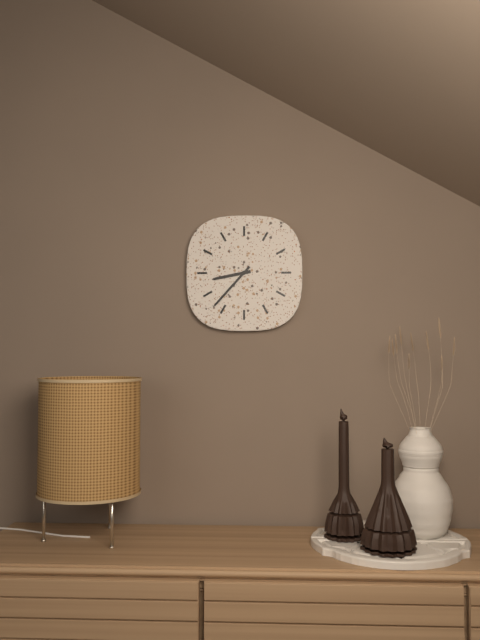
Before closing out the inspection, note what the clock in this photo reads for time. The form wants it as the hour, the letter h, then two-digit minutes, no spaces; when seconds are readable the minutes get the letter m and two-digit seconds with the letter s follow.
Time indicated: 8h37
